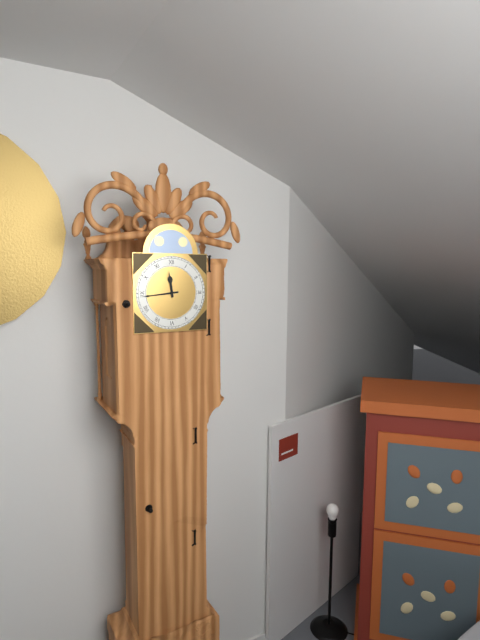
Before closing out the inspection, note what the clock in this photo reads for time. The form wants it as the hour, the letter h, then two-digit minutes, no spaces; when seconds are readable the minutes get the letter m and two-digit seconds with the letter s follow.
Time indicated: 11h44
